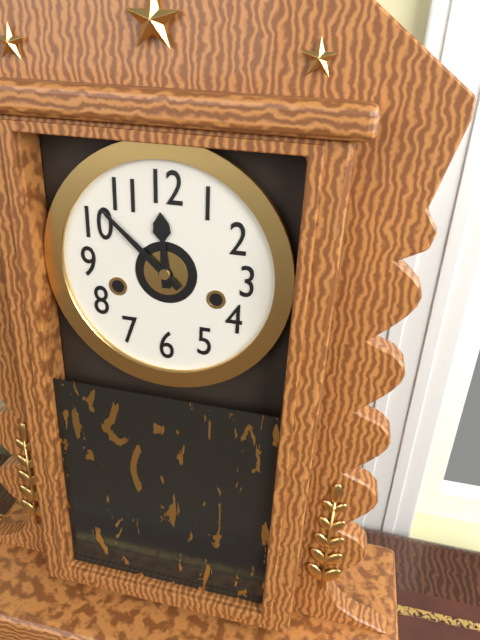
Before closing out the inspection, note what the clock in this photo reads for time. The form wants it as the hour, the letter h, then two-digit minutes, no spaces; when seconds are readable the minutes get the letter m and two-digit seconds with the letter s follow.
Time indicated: 11h52
